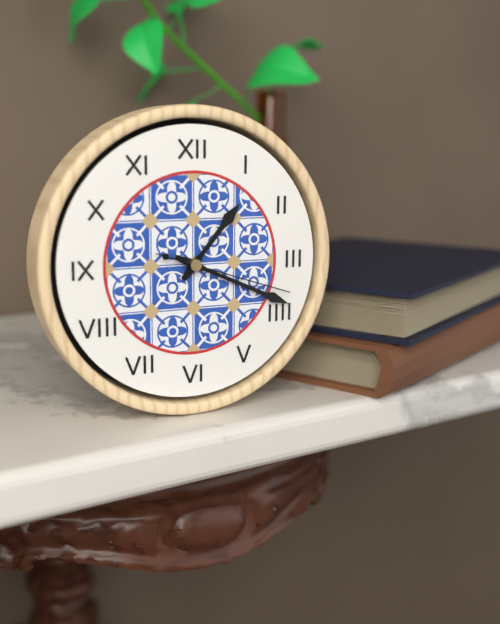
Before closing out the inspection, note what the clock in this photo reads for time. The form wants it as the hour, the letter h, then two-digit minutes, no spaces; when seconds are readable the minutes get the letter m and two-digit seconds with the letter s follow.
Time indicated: 1h19m18s
